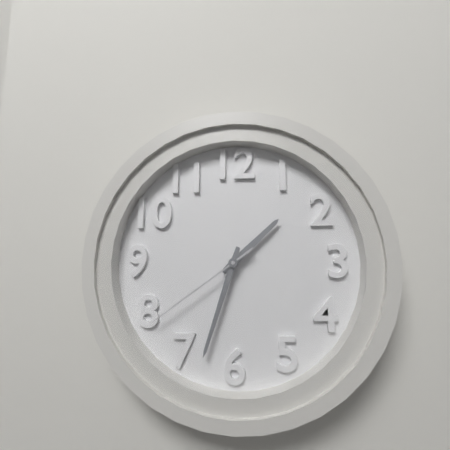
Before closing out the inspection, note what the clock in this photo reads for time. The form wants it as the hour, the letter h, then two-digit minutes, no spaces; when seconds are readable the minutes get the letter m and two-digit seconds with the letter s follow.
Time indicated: 1h33m39s
